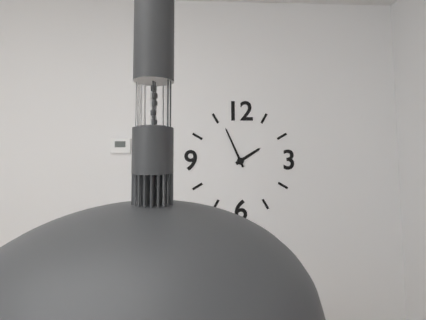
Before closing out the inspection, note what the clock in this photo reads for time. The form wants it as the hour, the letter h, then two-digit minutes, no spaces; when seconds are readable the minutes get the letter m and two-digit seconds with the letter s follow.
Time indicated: 1h56
